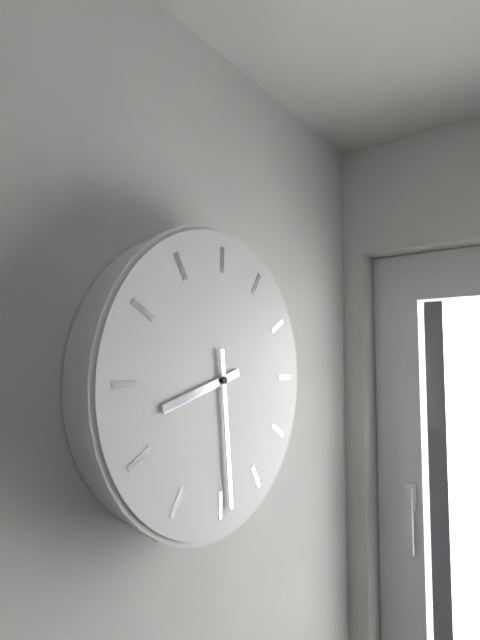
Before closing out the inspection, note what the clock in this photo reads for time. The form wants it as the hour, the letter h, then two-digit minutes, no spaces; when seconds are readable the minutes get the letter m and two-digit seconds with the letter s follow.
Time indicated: 8h29
